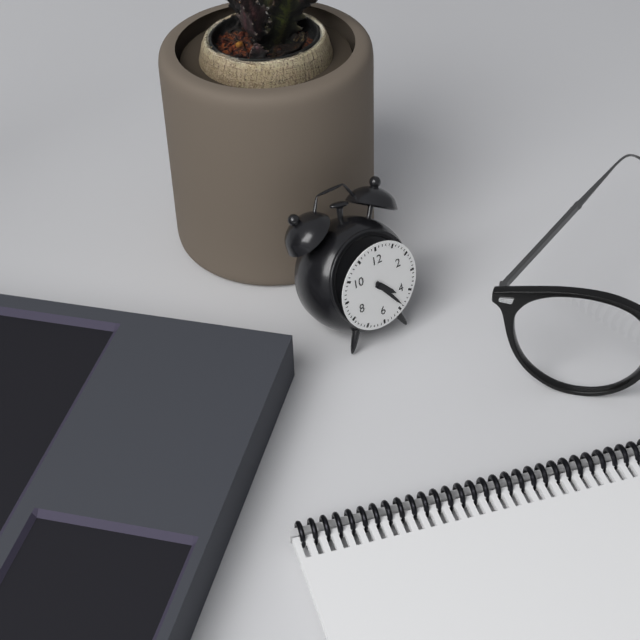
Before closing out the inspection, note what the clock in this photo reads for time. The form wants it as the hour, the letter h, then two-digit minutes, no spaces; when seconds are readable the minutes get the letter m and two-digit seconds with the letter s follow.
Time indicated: 4h24
